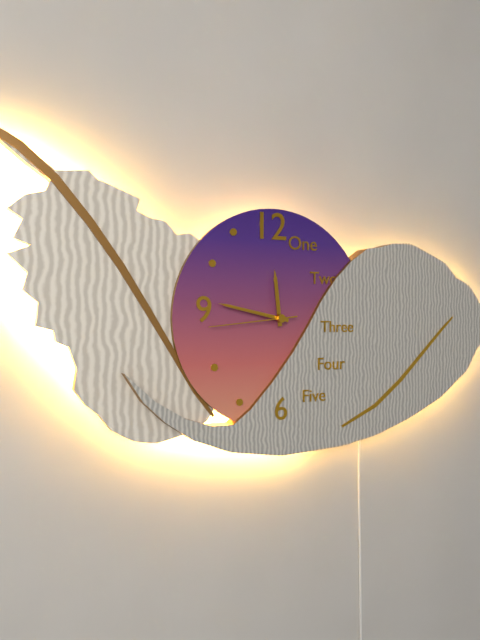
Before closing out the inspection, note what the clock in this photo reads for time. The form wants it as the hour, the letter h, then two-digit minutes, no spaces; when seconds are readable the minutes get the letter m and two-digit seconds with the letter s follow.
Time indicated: 11h47m44s
